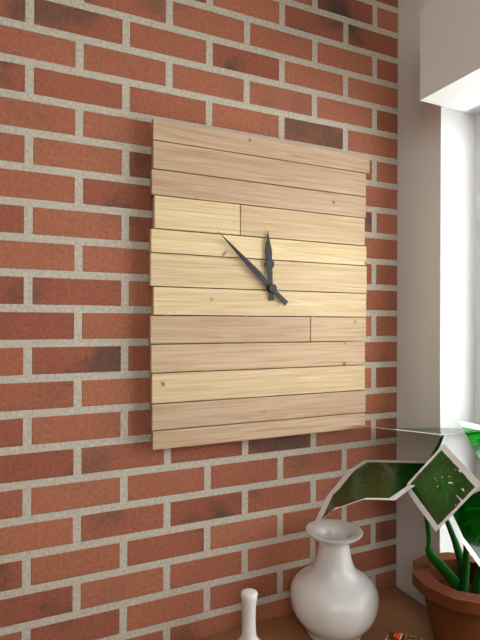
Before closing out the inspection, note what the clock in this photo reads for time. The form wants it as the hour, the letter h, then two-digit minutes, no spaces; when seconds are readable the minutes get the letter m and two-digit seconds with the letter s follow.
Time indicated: 11h52
